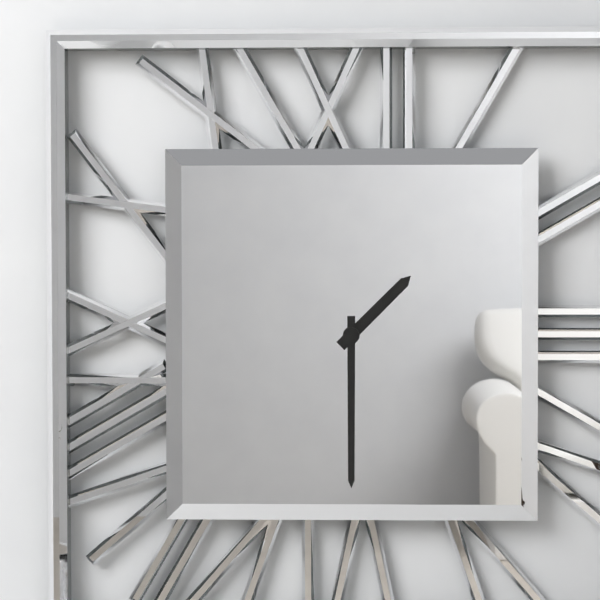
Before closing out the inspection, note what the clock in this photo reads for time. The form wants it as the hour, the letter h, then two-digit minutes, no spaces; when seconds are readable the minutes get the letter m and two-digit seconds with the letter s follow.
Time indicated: 1h30
